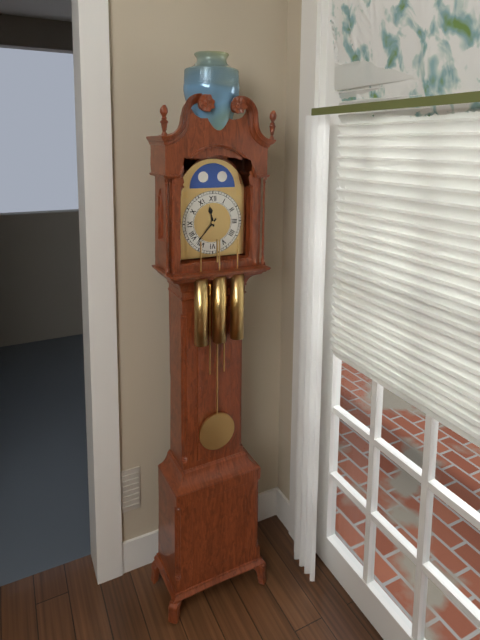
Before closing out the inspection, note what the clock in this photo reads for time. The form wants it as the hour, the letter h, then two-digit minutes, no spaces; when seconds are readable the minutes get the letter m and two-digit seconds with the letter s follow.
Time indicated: 11h37
